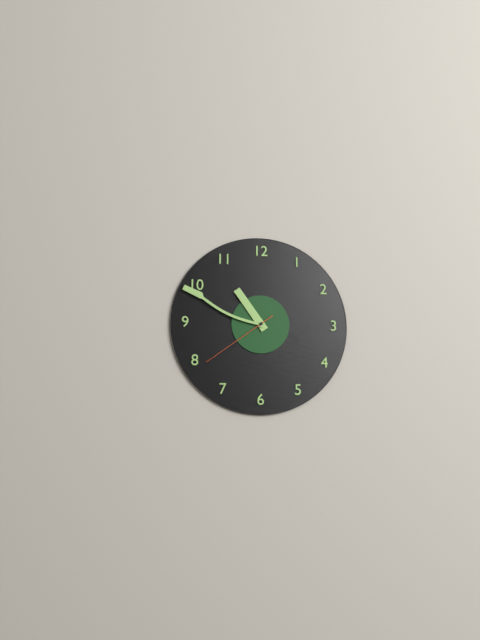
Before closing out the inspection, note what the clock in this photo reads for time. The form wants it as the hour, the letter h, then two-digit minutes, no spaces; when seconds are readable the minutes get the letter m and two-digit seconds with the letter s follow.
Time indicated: 10h49m39s
